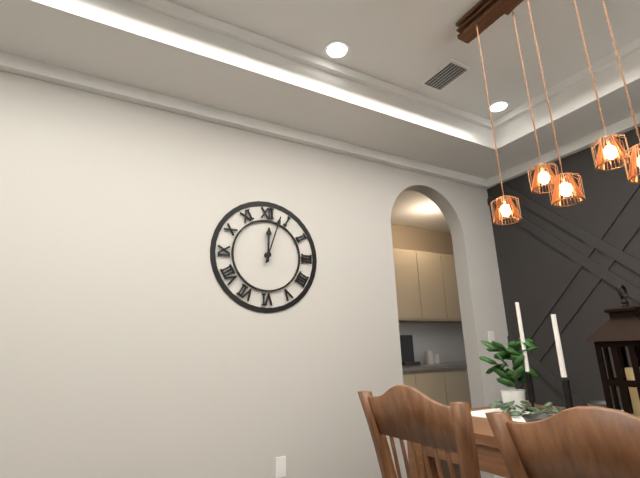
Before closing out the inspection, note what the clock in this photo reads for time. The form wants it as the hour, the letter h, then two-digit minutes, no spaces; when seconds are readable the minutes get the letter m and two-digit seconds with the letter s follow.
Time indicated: 12h03
